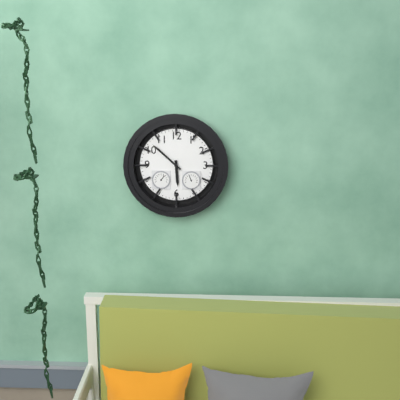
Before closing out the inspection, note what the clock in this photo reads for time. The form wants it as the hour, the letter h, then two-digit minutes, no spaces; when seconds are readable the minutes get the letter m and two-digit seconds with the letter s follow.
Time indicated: 5h52
